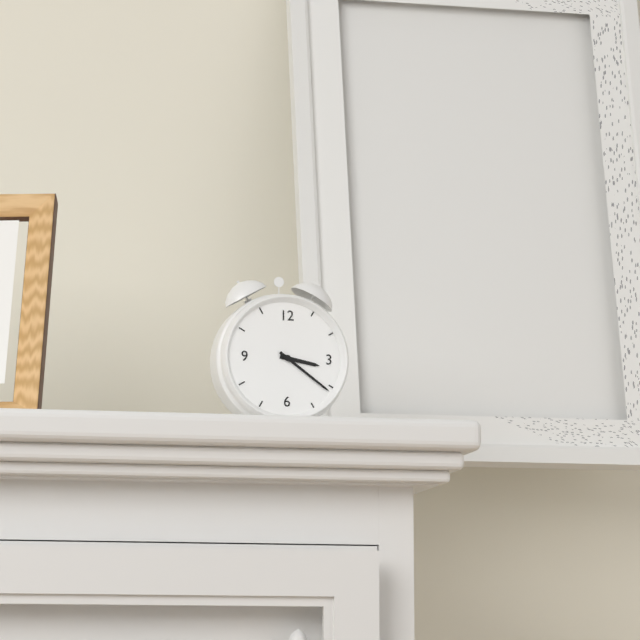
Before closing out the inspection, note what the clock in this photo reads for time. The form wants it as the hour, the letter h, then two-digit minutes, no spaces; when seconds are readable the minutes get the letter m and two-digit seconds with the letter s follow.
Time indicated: 3h21
